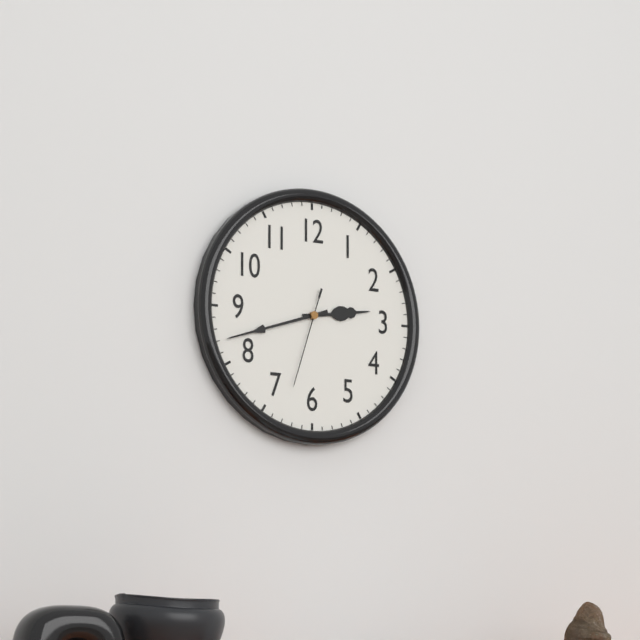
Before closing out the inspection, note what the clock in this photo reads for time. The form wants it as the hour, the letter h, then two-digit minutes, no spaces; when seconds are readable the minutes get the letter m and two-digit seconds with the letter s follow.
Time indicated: 2h42m33s
